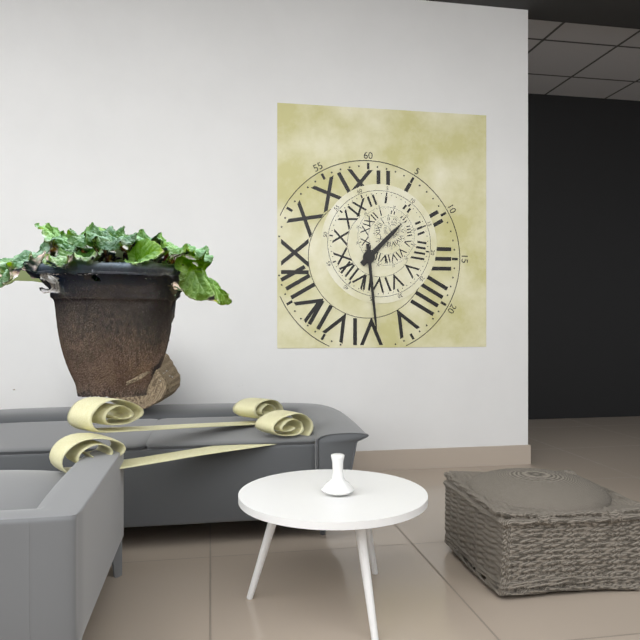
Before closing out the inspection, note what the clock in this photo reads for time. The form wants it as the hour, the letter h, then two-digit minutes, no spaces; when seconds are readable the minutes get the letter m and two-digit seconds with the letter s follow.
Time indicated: 1h29
